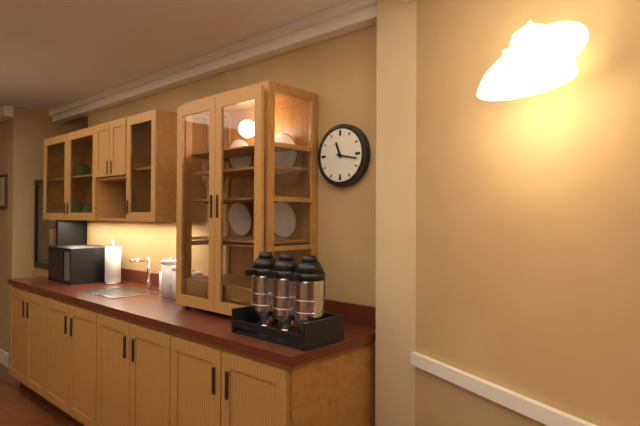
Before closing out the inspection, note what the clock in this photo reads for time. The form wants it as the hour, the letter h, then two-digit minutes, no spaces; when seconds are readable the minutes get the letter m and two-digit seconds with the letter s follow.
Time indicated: 11h17
